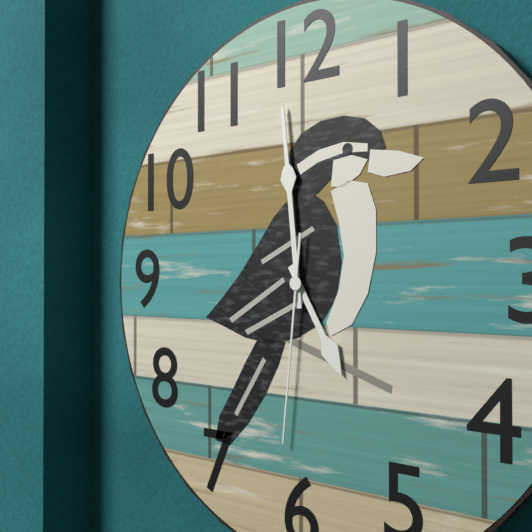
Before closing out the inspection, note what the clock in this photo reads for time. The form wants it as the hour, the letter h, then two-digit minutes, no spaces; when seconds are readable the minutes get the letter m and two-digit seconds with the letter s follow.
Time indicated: 4h59m31s
